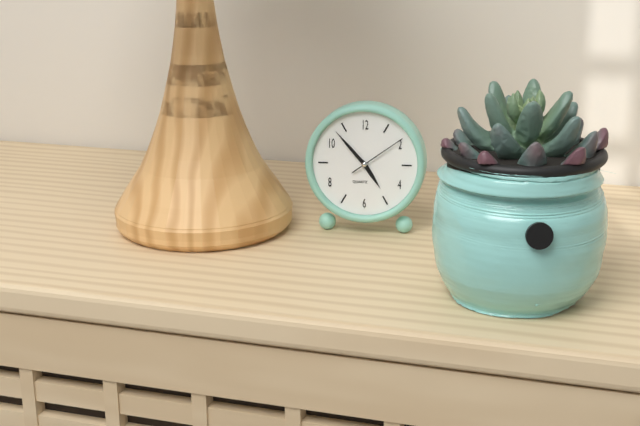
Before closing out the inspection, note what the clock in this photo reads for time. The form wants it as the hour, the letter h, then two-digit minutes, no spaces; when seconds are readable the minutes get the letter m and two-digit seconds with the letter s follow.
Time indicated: 4h53m09s
